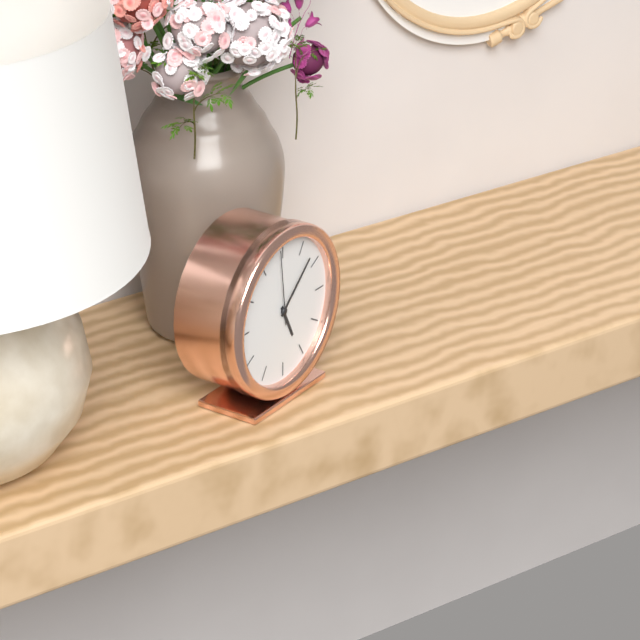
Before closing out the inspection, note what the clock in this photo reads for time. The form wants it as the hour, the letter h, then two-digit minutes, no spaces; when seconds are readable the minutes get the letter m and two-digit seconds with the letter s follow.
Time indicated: 5h08m59s
